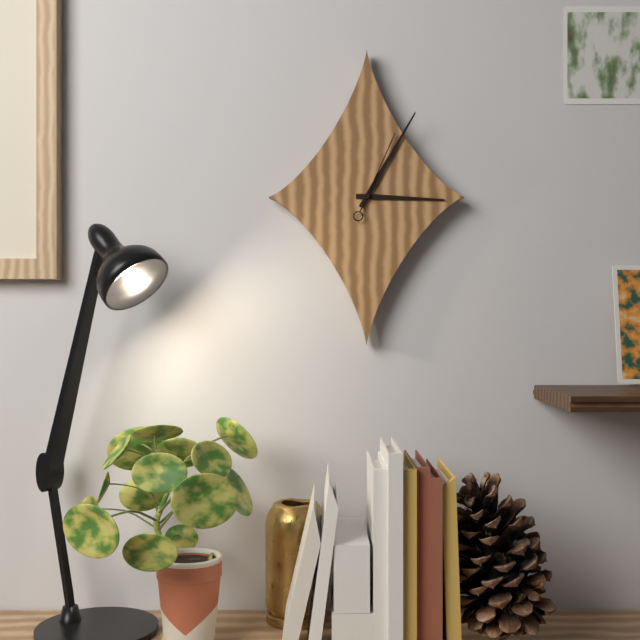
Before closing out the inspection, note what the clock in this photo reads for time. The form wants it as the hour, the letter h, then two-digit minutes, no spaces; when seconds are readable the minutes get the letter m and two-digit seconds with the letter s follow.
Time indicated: 3h05m04s
